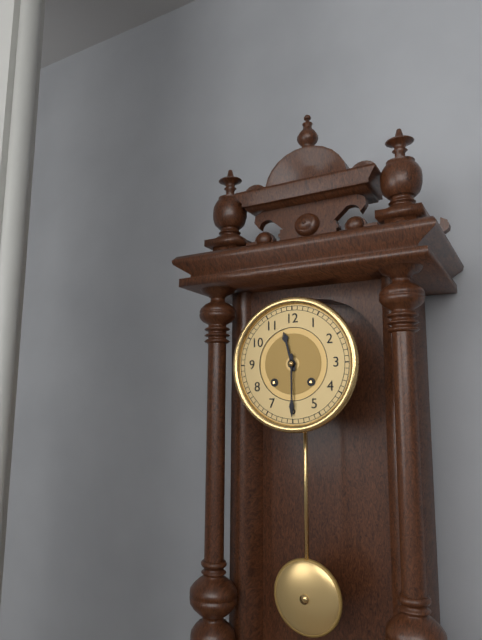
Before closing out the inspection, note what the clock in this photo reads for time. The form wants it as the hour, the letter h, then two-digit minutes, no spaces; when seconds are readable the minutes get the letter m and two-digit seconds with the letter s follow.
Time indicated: 11h30
